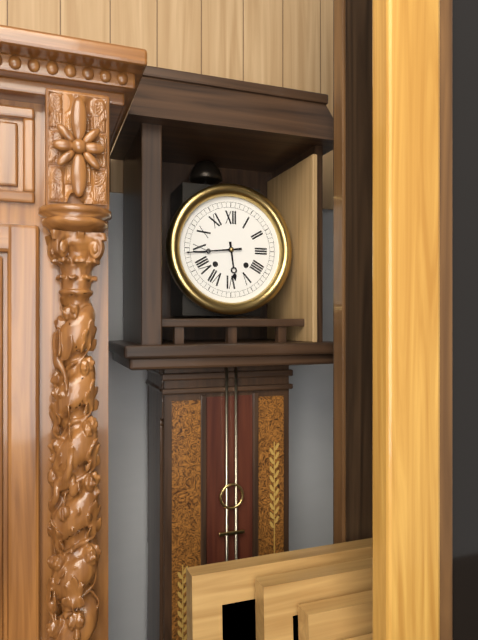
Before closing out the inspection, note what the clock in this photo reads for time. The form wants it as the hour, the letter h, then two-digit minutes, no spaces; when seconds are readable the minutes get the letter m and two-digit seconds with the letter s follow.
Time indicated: 5h44
